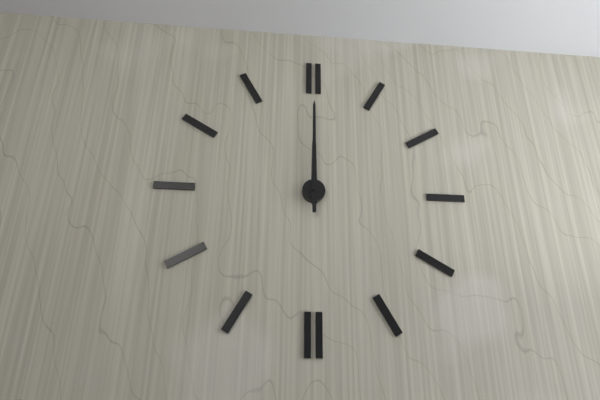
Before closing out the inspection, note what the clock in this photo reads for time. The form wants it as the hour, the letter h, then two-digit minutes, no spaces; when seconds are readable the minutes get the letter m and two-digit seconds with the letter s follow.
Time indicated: 12h00
